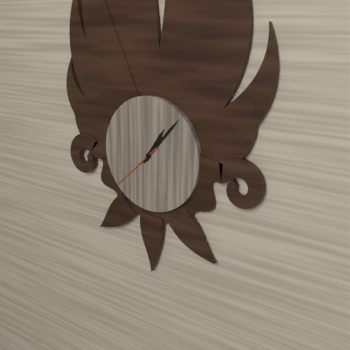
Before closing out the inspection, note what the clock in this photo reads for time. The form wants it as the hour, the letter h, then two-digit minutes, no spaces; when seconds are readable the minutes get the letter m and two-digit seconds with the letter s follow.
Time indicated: 1h07m38s
